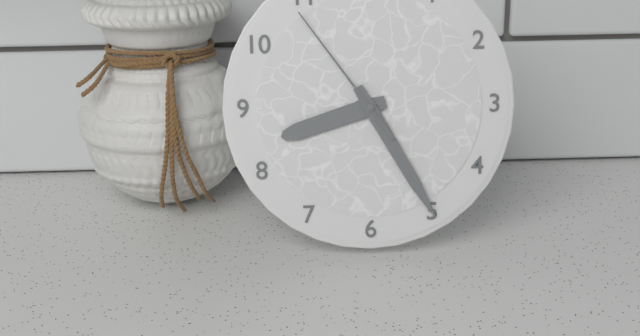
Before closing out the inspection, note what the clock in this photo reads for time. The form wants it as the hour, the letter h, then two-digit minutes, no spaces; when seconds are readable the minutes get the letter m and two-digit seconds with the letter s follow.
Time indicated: 8h25m54s
